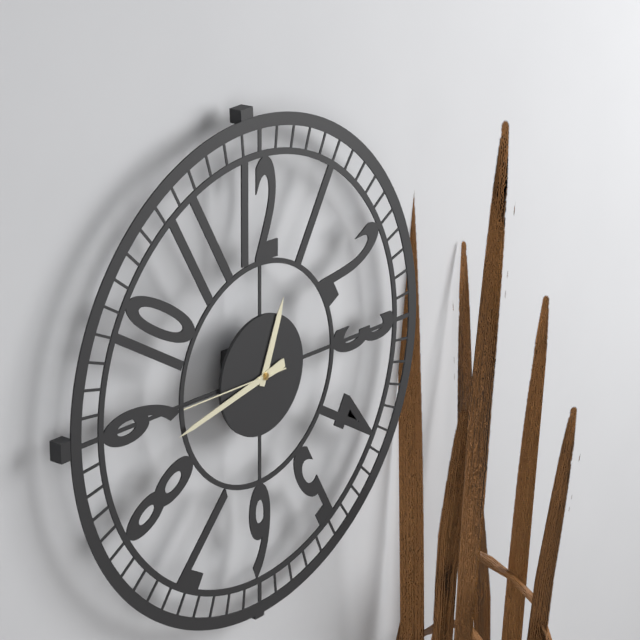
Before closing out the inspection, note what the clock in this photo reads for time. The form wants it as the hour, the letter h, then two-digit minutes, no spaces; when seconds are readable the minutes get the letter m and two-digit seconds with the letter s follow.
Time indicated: 12h43m45s
